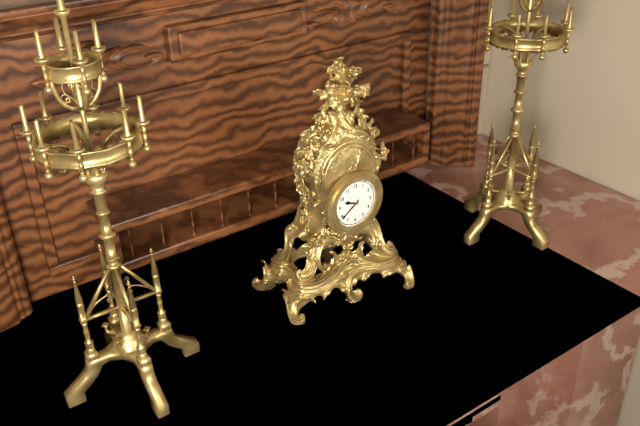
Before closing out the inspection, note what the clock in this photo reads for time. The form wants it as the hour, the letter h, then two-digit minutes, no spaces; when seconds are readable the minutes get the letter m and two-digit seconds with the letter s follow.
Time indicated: 9h39
